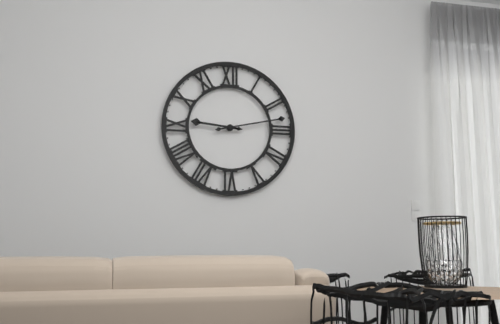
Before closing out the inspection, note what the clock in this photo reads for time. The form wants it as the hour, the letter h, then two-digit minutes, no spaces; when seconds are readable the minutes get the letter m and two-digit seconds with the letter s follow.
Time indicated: 9h13
